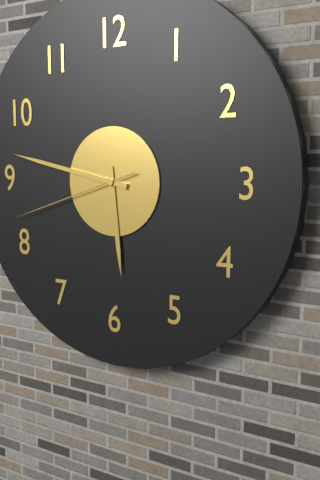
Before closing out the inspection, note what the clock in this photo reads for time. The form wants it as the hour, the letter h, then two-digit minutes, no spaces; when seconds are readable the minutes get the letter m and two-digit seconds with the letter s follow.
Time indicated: 5h47m42s
